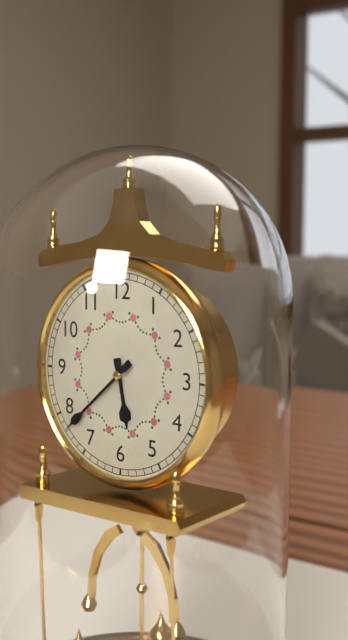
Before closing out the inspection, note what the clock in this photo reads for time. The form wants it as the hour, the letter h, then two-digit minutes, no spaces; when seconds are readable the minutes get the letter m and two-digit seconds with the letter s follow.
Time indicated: 5h38
